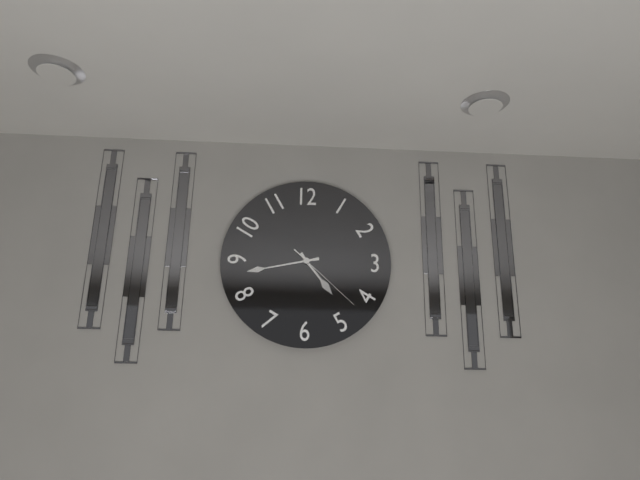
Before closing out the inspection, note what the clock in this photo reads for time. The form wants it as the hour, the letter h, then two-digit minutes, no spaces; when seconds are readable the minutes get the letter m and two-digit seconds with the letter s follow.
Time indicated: 4h43m22s
